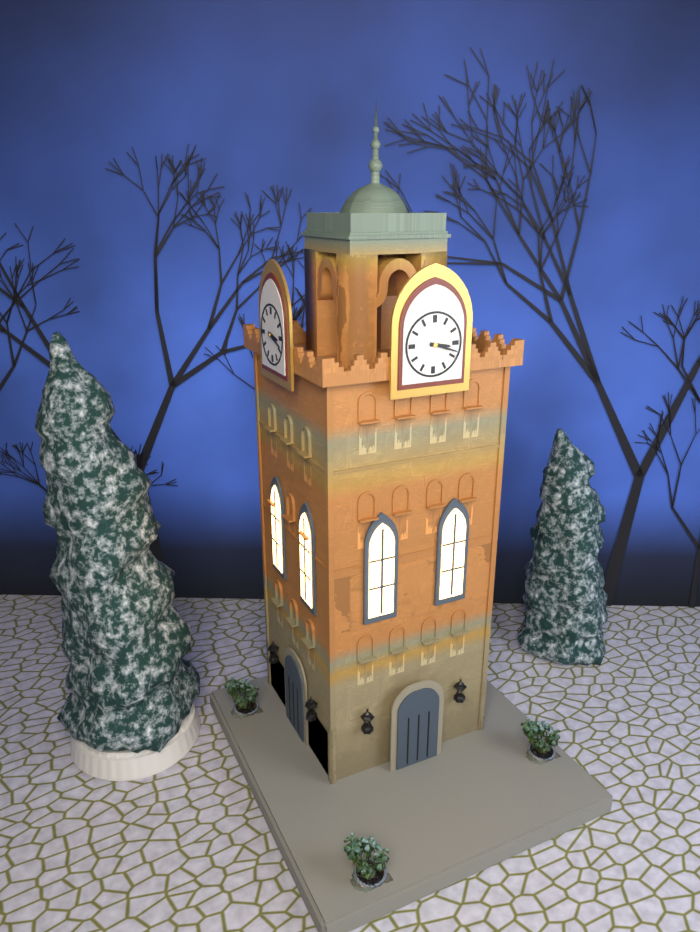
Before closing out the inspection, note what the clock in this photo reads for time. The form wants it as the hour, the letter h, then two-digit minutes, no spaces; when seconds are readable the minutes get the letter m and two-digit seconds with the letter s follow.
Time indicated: 3h18
